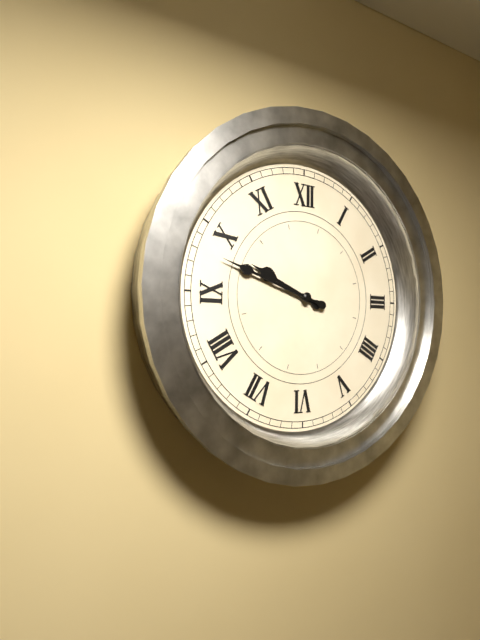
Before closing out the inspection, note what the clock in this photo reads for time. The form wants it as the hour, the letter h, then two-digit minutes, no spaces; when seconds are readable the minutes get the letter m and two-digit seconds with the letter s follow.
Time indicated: 9h48
